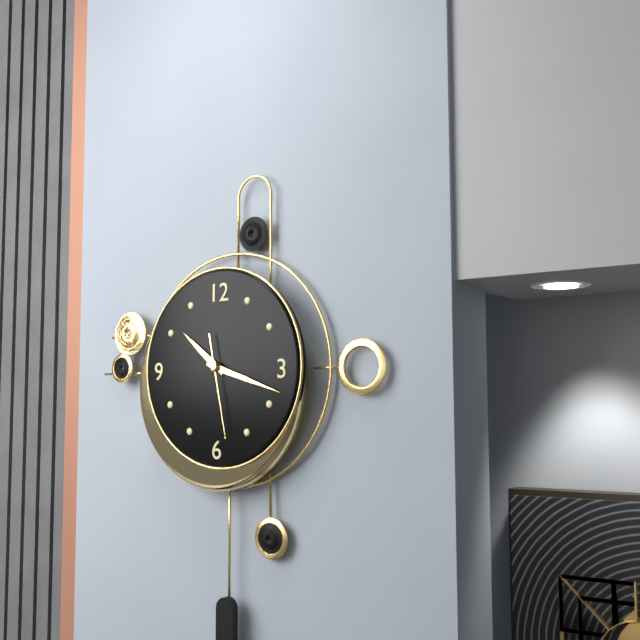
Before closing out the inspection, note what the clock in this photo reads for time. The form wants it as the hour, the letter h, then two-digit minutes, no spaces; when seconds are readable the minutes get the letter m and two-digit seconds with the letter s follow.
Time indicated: 10h18m28s
